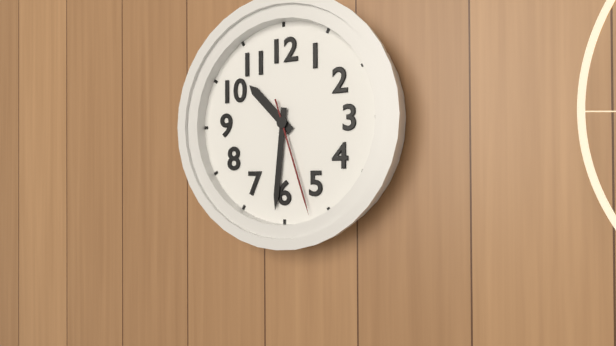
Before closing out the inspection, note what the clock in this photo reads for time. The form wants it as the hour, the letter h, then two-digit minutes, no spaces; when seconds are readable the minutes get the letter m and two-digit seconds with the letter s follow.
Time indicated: 10h31m27s
